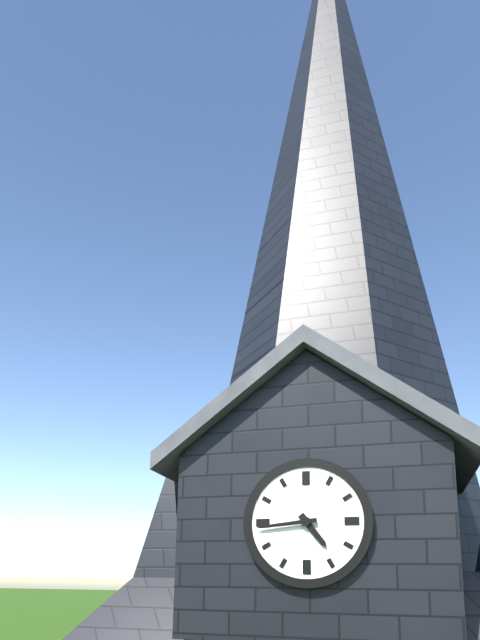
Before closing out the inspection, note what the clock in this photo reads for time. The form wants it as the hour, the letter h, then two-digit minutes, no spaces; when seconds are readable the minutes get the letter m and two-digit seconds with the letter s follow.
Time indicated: 4h44
